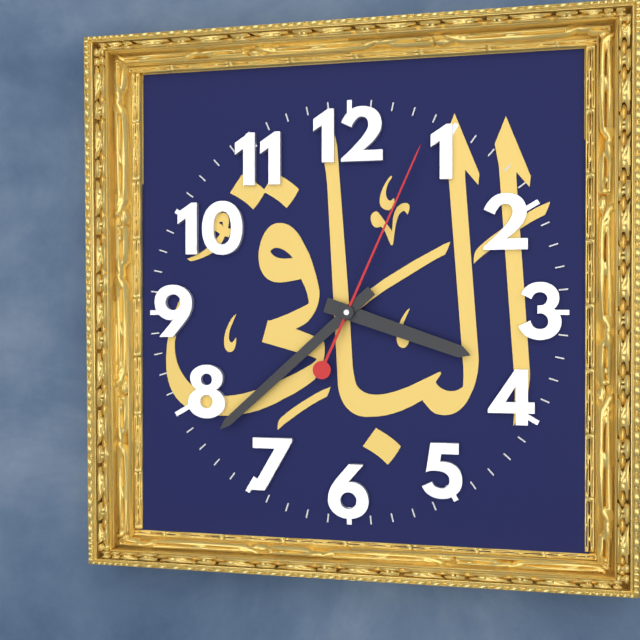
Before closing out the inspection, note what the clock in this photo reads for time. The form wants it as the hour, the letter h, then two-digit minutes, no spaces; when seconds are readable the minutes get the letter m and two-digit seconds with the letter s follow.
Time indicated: 3h38m04s
